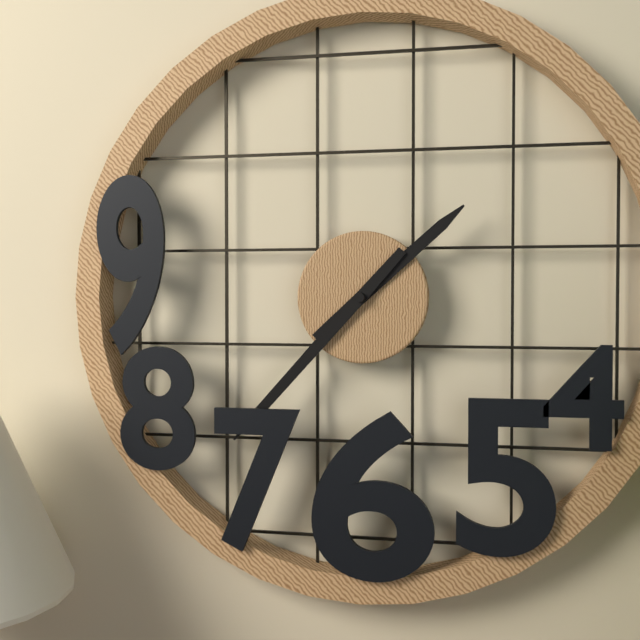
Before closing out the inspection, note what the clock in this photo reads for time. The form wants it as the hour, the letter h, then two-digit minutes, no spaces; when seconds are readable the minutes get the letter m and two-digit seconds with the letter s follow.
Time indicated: 1h37
